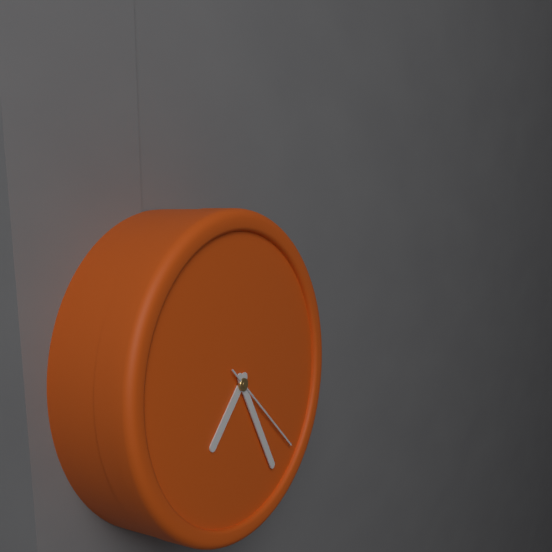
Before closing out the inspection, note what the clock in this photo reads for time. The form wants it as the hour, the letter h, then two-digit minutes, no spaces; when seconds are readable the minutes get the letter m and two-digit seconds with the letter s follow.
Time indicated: 7h25m22s
